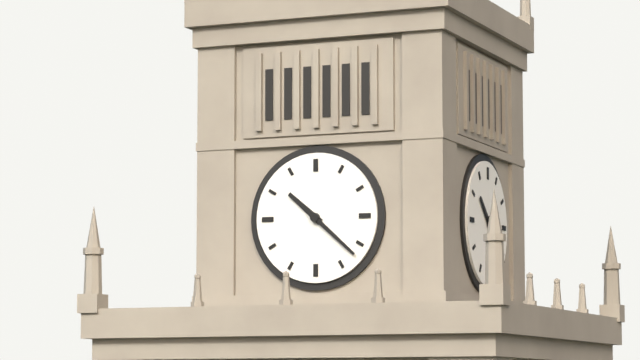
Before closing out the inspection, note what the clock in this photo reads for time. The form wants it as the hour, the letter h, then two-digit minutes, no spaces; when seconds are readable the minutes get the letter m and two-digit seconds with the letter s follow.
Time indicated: 10h22
